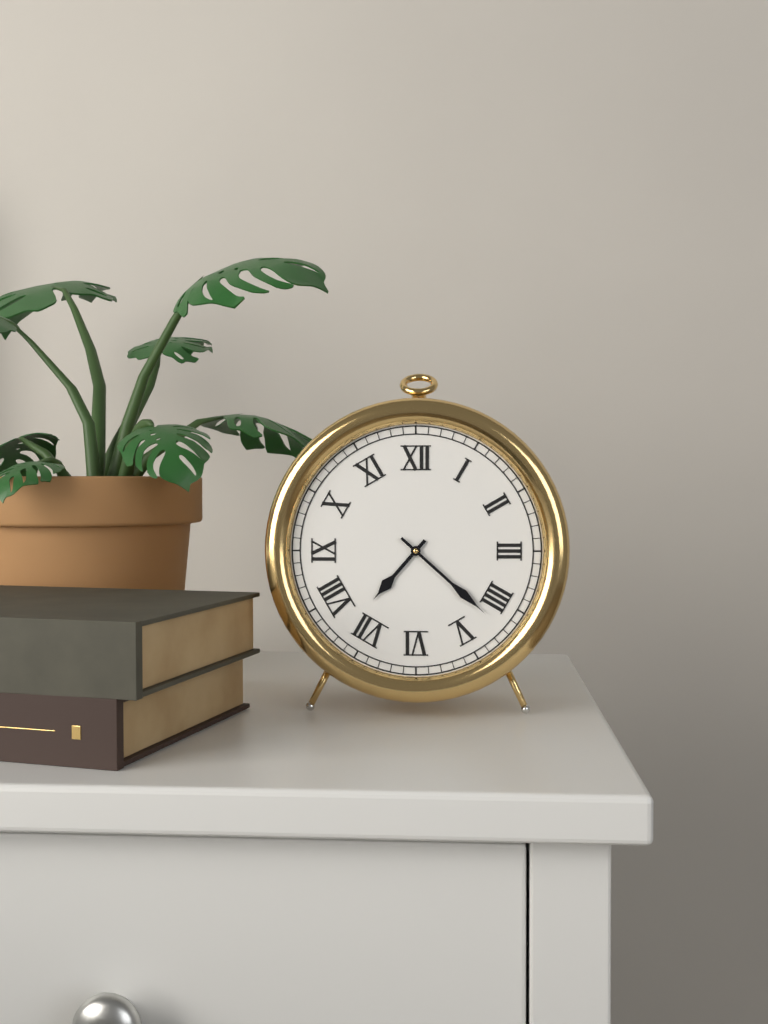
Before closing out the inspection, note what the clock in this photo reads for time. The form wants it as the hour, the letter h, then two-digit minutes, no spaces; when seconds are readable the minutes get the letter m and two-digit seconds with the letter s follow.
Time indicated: 7h22
